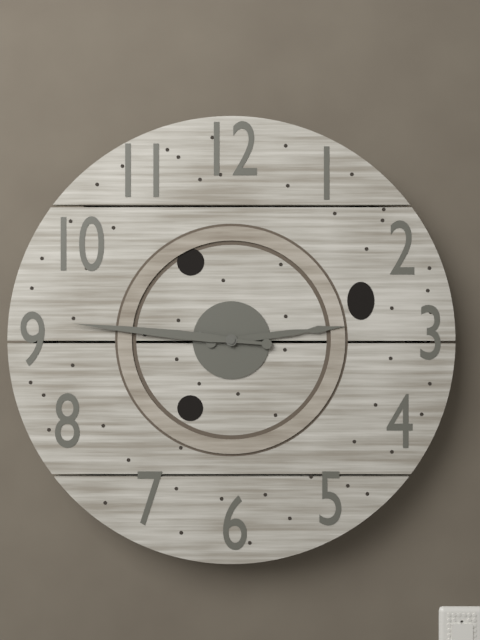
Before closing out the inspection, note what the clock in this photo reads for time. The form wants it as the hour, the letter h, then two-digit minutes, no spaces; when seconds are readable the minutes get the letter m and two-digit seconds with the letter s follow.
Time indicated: 2h46
